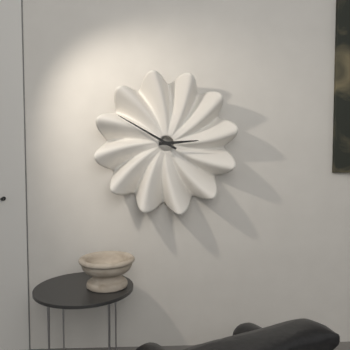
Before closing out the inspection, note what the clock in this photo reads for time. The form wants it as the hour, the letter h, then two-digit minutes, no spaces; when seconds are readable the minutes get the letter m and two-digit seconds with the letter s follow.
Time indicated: 2h50
